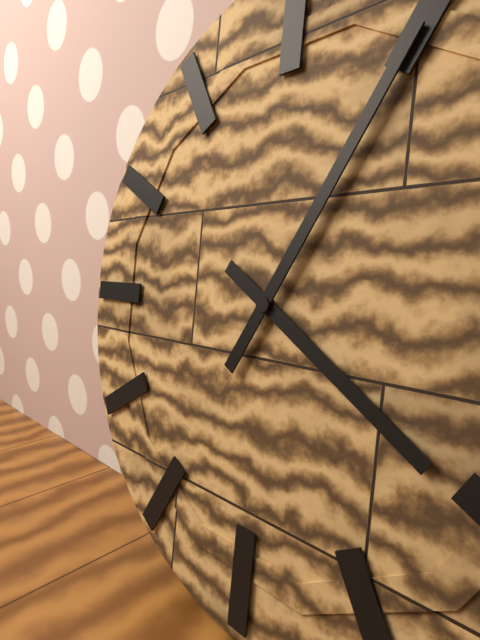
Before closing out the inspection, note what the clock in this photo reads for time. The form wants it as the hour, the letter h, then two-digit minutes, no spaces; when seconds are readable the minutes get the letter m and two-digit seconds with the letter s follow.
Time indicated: 4h05
